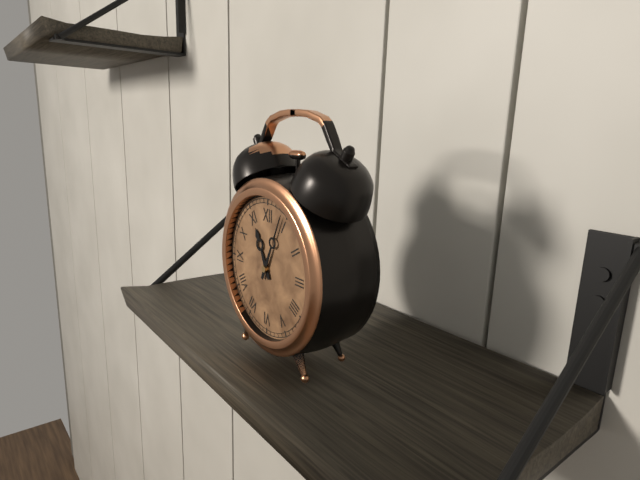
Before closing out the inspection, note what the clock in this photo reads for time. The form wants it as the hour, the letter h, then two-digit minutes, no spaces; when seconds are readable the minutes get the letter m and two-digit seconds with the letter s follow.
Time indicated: 11h04
